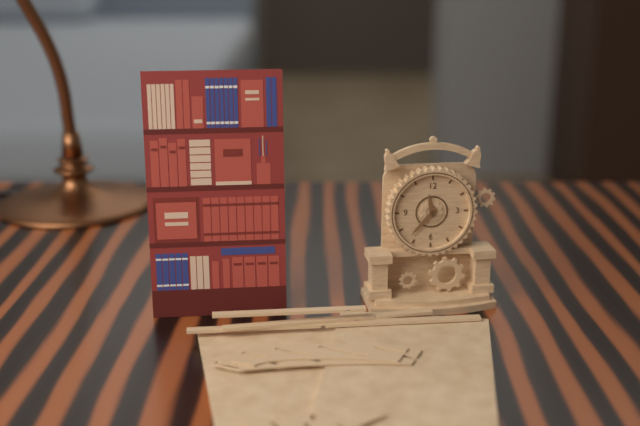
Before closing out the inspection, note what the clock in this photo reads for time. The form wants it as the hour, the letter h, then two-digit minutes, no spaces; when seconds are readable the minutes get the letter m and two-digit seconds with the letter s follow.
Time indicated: 11h37
